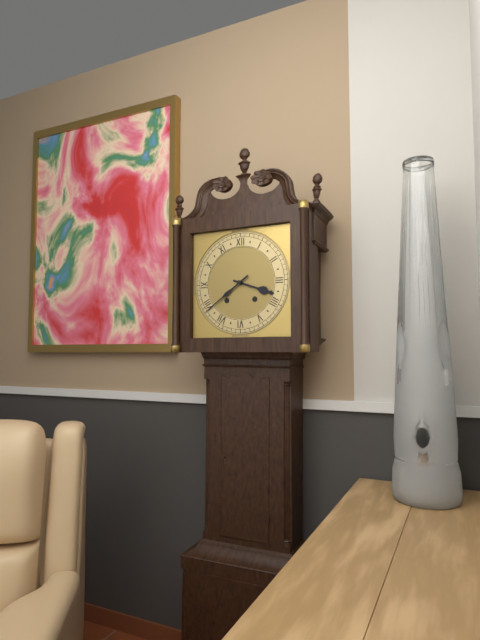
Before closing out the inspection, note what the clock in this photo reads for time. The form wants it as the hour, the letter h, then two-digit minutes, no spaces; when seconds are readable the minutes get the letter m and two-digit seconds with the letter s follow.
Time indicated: 3h39
